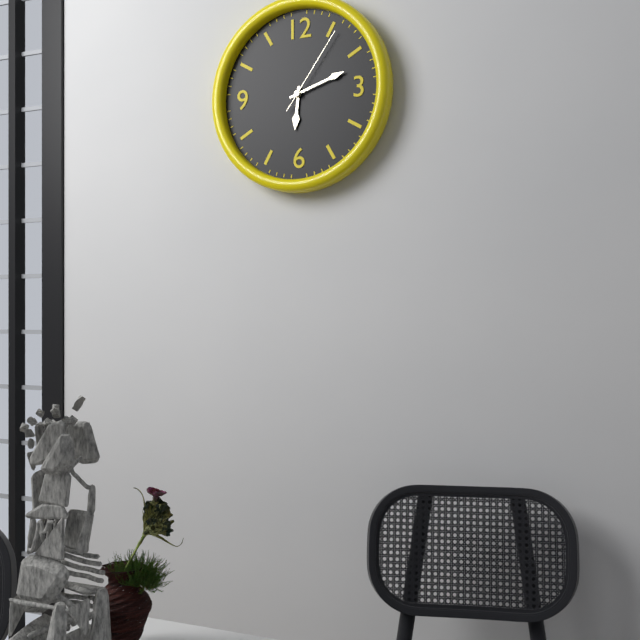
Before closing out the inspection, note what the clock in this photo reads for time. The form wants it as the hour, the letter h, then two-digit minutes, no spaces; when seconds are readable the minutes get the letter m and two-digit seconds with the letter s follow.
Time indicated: 6h12m06s
